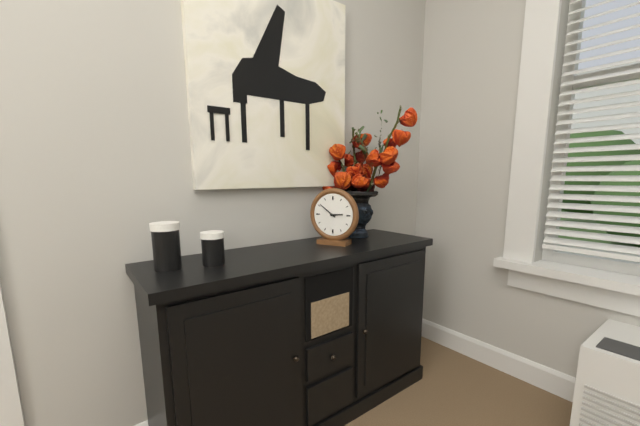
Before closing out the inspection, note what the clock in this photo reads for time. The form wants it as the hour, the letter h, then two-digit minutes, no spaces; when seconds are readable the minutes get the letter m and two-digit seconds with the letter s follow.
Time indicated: 2h51
